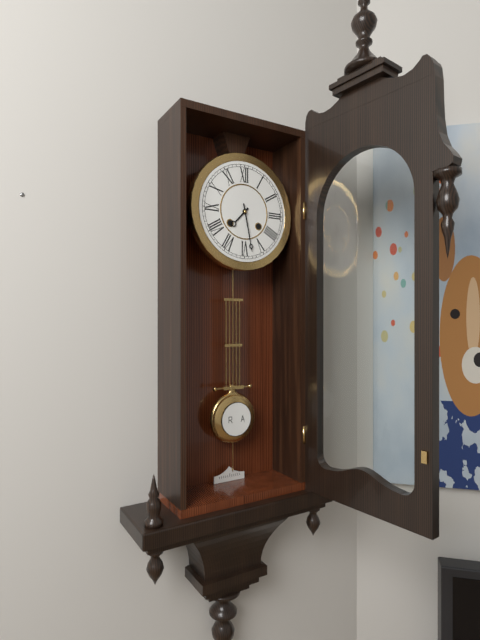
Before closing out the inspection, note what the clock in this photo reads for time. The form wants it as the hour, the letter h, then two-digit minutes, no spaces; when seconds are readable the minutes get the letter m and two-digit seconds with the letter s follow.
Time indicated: 7h28
